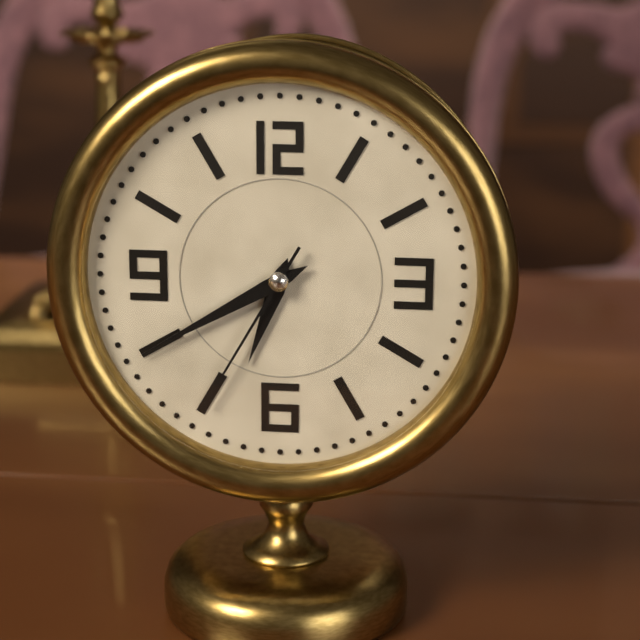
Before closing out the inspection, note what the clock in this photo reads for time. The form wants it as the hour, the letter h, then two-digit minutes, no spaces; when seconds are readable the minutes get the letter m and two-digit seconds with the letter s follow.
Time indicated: 6h40m35s
